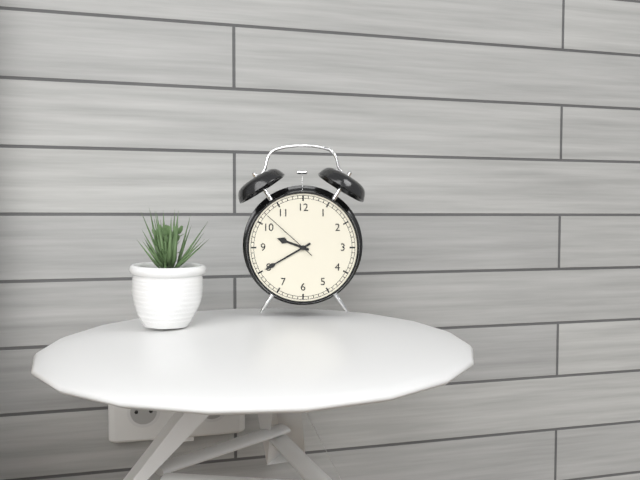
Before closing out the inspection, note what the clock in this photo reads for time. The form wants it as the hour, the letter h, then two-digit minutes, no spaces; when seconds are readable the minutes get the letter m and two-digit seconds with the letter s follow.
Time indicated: 9h40m52s
